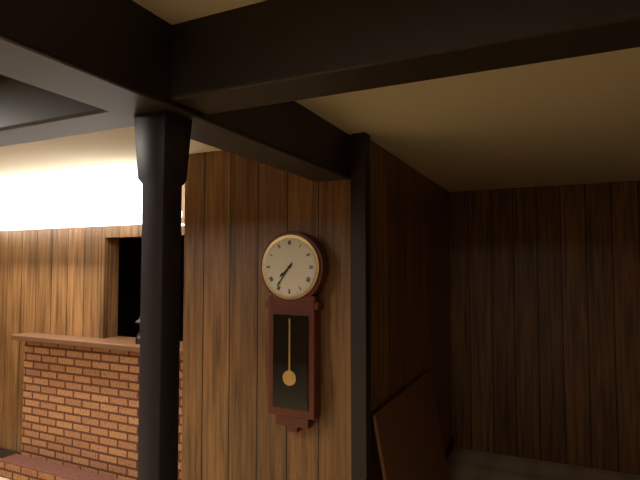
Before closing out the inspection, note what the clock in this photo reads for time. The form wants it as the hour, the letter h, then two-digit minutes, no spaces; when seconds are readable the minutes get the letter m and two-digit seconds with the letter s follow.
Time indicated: 7h36
